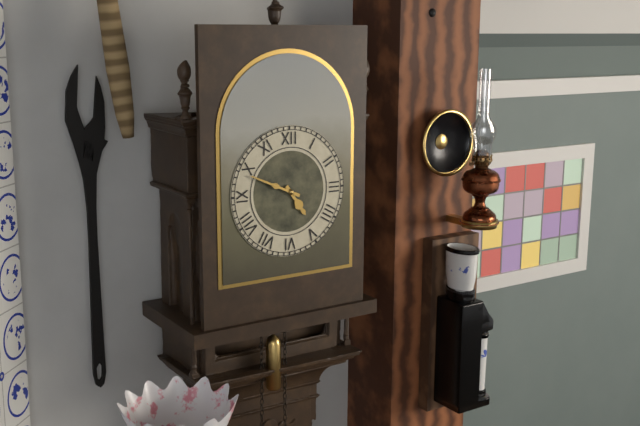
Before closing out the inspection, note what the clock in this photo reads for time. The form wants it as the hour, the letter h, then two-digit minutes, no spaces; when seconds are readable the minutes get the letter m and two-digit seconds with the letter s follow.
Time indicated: 4h49
